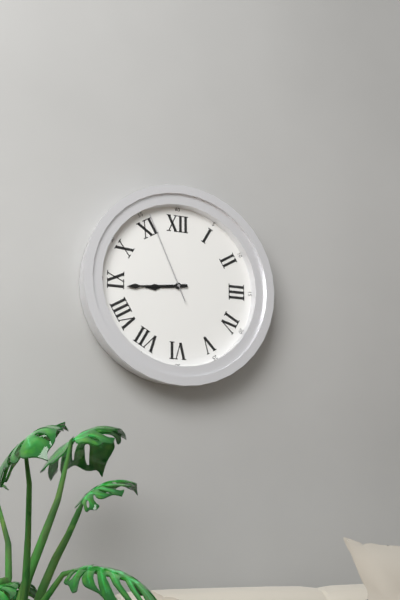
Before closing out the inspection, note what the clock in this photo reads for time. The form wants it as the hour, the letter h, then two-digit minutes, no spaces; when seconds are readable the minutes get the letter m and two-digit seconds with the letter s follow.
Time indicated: 8h44m56s
